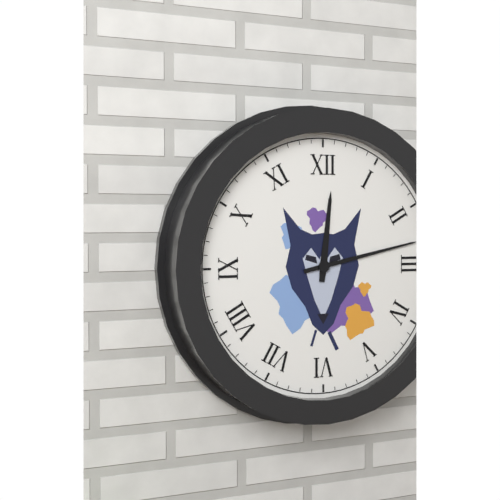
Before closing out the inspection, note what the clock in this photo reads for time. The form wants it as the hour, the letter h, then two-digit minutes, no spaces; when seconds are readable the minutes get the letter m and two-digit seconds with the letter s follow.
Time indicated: 12h13
